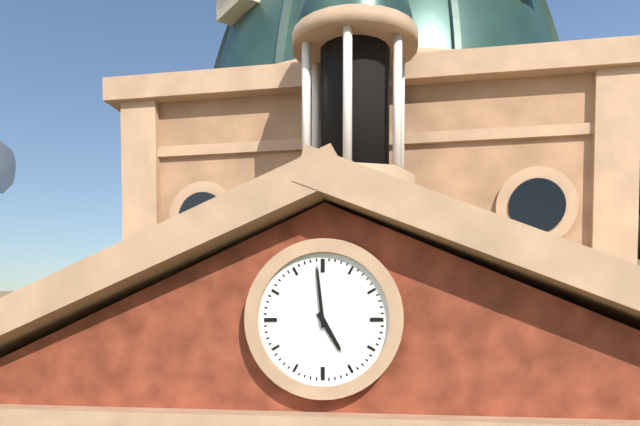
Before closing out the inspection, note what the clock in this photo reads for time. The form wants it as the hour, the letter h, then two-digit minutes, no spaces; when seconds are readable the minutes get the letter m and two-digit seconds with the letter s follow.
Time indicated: 4h59
